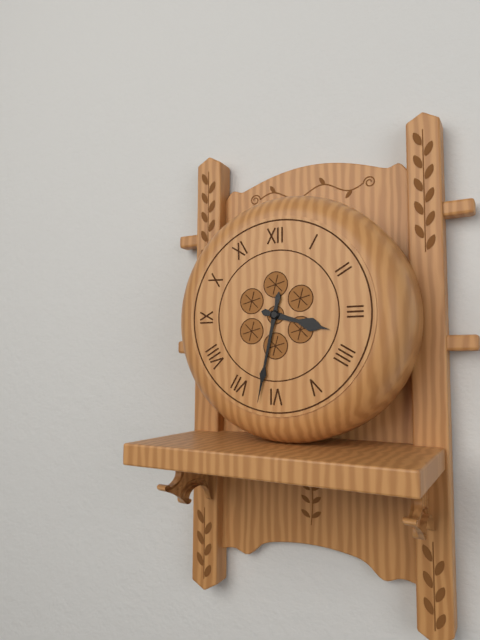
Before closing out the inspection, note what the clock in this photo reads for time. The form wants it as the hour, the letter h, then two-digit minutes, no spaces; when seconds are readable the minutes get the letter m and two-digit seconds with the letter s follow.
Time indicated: 3h32
